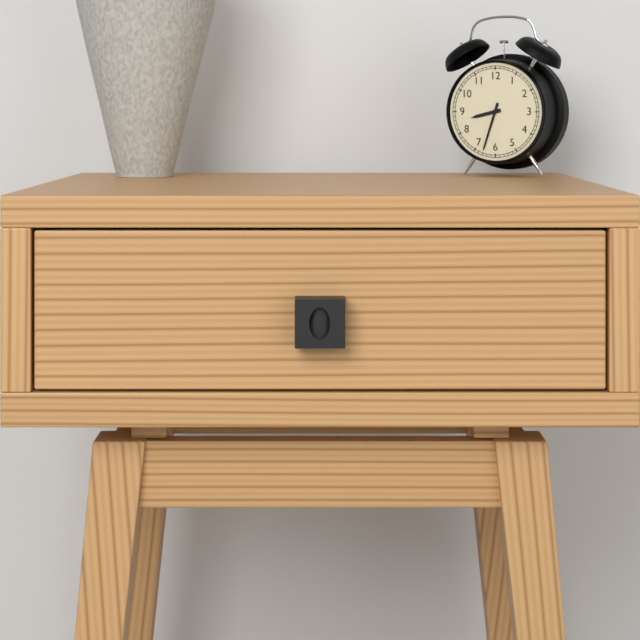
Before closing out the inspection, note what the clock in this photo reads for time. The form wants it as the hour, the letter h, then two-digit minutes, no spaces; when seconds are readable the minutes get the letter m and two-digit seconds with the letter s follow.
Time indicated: 8h33
